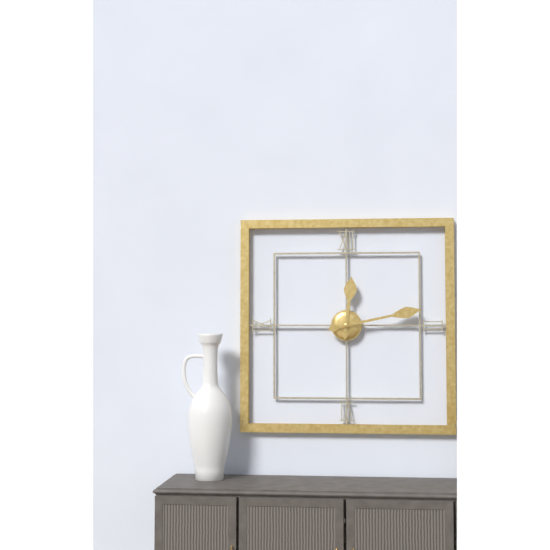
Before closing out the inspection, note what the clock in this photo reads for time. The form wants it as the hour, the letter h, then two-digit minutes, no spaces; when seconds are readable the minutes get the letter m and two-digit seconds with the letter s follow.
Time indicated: 12h13
